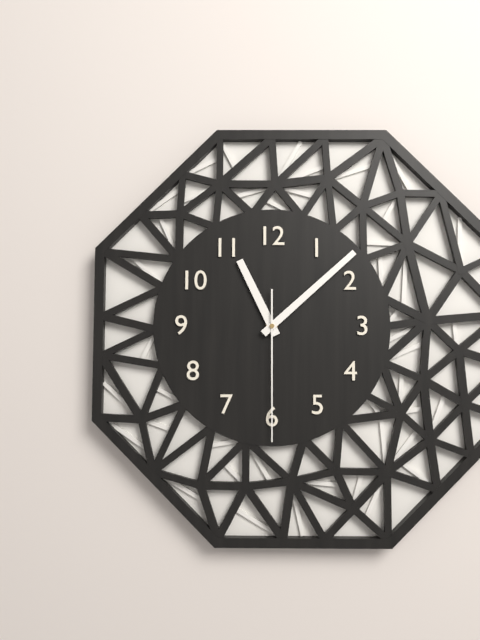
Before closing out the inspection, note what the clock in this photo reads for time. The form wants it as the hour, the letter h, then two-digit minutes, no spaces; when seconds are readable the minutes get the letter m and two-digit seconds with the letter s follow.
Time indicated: 11h08m30s
